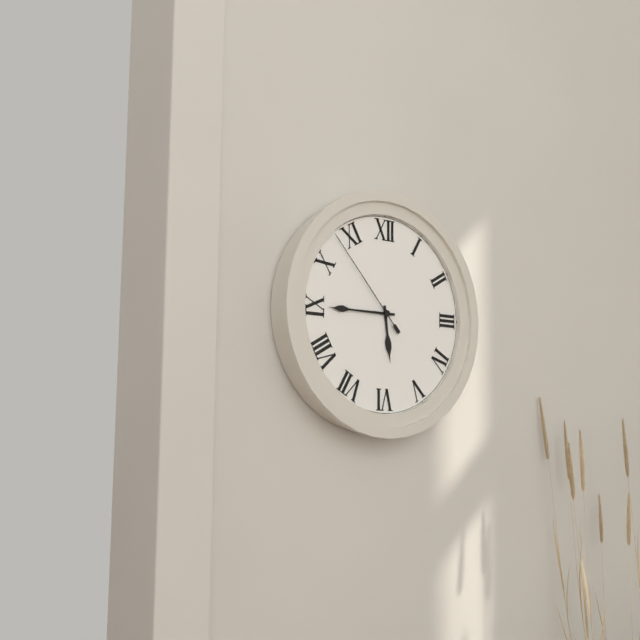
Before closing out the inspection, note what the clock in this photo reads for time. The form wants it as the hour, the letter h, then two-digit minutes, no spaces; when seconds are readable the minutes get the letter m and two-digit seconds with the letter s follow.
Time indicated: 5h45m53s
